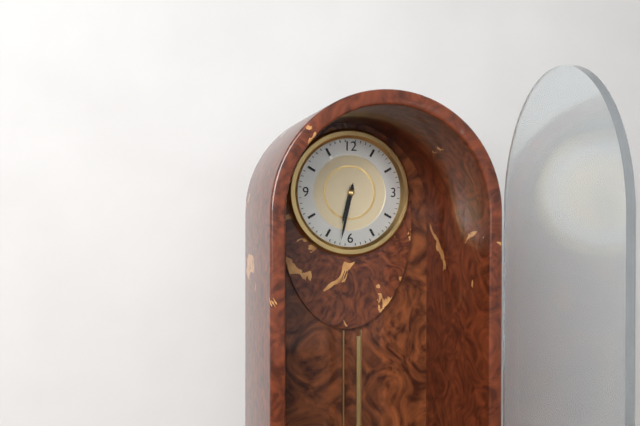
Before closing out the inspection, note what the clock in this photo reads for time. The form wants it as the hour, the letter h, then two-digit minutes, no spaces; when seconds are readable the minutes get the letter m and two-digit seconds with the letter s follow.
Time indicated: 6h32
